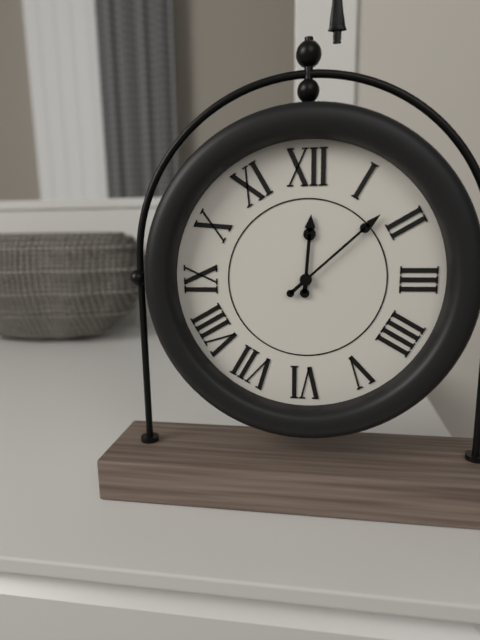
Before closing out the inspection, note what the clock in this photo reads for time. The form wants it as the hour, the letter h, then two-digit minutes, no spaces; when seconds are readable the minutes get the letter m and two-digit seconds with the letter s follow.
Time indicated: 12h08
